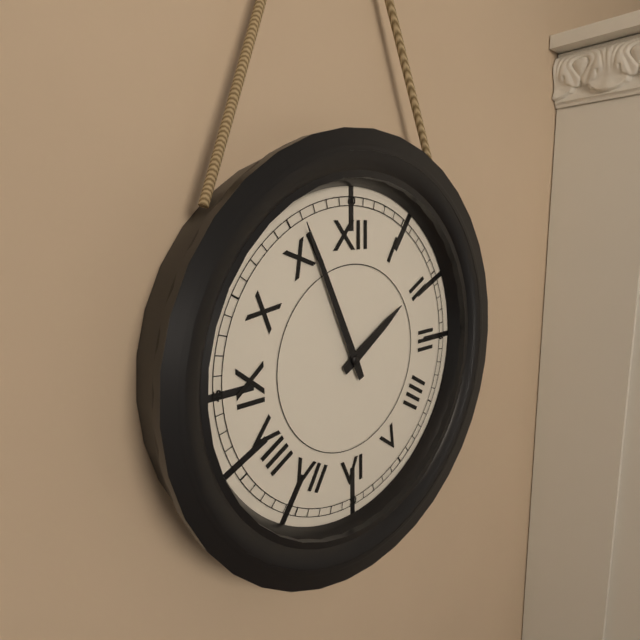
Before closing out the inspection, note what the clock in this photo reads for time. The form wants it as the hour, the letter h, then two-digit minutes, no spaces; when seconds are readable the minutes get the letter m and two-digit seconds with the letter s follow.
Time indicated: 1h56
